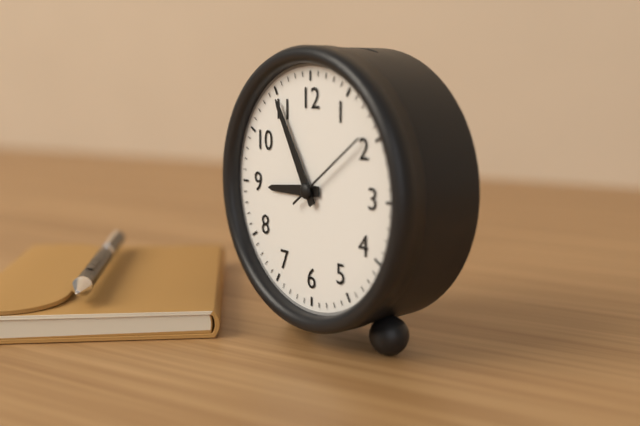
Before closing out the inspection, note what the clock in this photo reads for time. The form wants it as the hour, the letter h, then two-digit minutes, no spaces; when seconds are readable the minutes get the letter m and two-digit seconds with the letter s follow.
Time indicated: 8h55m09s
